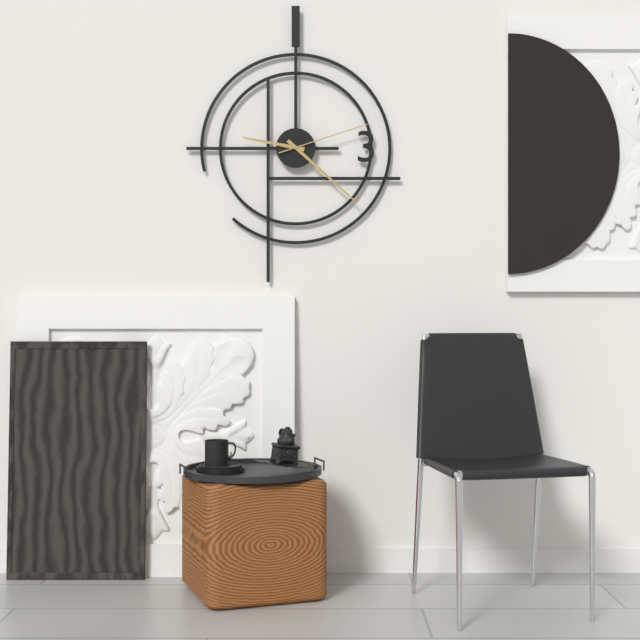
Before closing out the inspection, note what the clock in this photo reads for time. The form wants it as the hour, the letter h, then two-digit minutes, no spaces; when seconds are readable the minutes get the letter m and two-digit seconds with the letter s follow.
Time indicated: 9h22m12s
